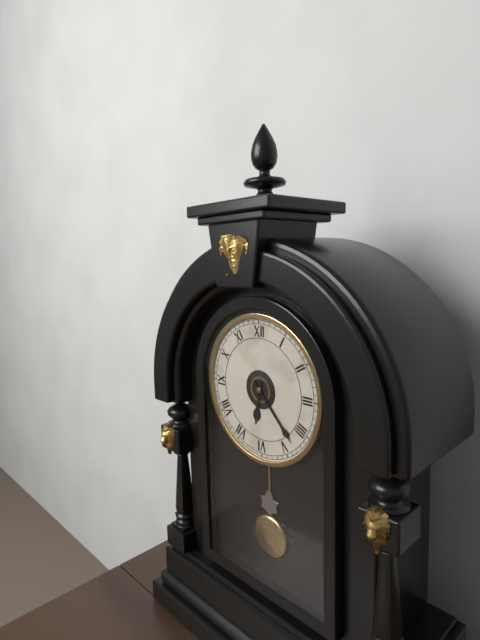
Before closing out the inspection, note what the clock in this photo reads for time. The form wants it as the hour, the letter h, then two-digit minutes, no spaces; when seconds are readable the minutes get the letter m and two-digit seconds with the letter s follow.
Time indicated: 6h23
